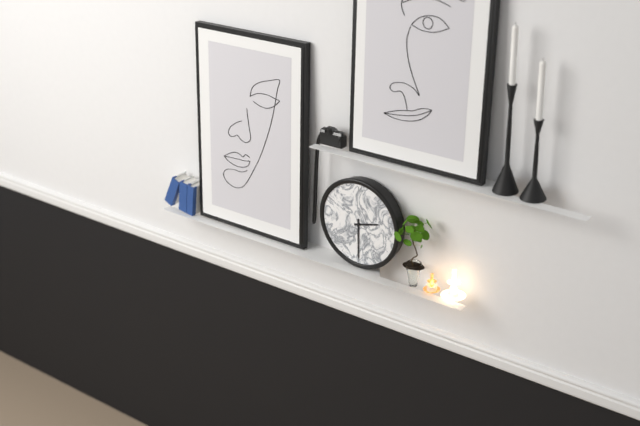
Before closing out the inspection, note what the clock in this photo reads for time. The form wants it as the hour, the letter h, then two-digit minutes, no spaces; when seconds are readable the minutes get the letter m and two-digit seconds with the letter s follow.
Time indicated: 2h30
